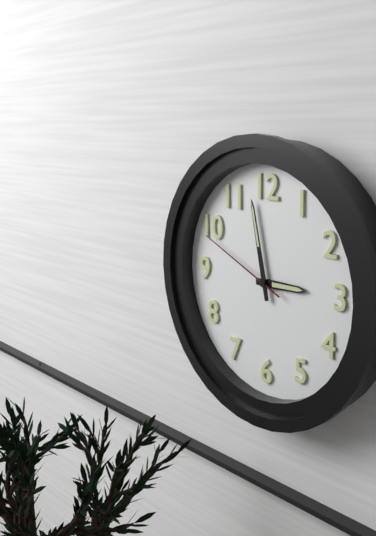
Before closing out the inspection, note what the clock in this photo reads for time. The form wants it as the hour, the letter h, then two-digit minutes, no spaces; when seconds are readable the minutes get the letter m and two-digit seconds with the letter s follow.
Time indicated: 2h58m49s
